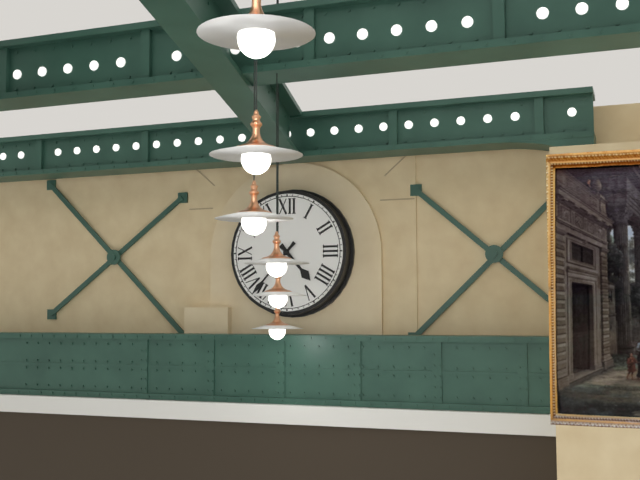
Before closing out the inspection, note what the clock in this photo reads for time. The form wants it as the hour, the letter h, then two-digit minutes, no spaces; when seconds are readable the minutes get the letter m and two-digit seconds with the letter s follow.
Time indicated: 4h37
